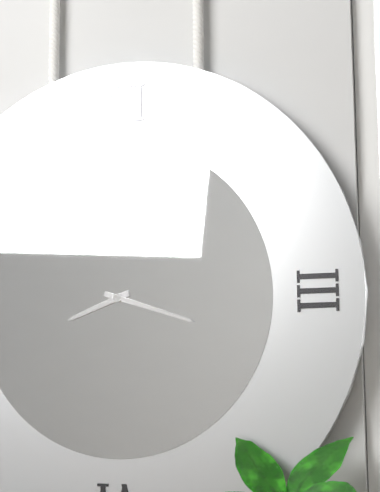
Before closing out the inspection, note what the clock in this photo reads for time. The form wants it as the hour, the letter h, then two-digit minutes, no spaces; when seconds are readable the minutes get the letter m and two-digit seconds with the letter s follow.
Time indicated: 8h18
